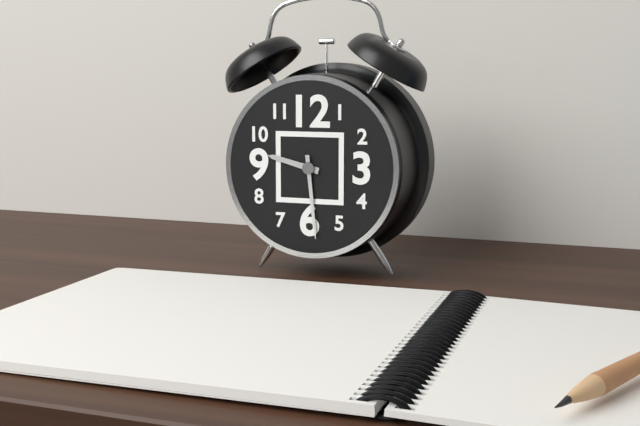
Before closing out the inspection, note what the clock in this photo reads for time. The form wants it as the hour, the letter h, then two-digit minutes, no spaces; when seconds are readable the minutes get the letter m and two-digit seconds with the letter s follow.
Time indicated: 9h29
